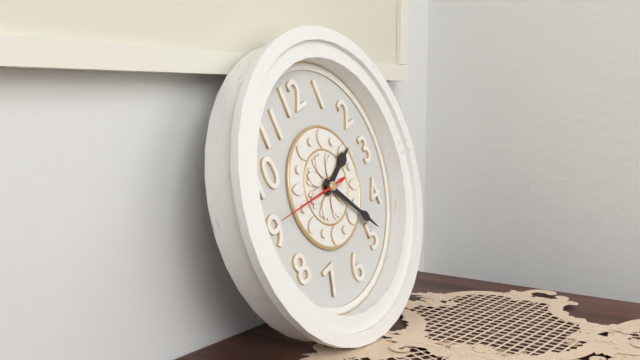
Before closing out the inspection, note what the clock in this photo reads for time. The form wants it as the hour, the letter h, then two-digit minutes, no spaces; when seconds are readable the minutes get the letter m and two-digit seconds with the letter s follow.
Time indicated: 2h24m46s
